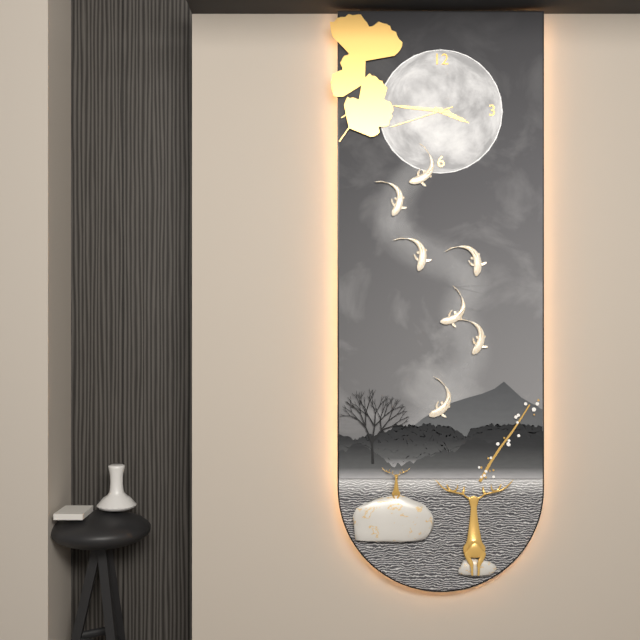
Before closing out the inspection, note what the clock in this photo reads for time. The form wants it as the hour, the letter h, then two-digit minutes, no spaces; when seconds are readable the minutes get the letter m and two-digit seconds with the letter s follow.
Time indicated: 3h46m42s
